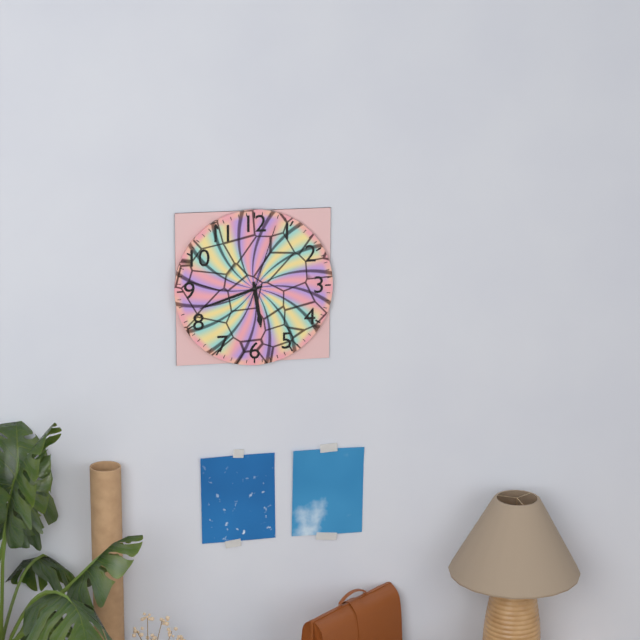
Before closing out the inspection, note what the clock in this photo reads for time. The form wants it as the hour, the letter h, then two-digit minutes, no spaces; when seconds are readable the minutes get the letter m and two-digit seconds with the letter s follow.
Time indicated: 5h42m03s
